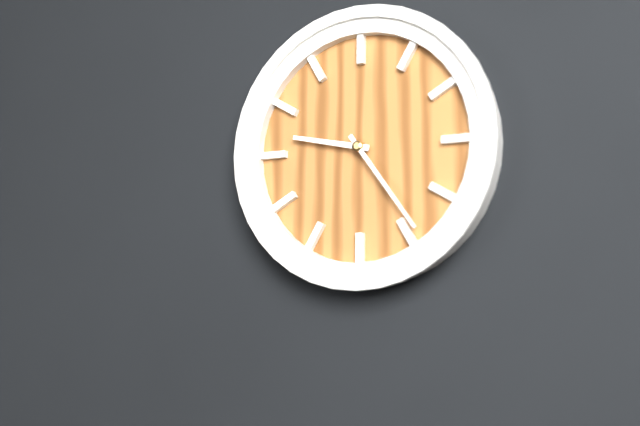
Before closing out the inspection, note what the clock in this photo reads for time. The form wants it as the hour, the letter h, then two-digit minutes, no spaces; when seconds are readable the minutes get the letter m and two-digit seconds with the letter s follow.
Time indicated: 9h24
